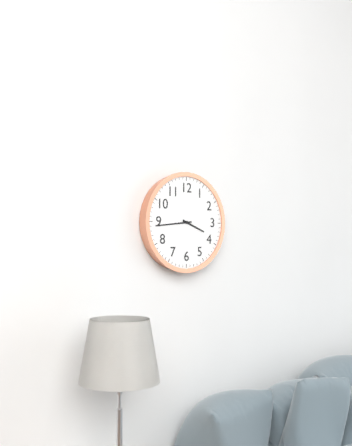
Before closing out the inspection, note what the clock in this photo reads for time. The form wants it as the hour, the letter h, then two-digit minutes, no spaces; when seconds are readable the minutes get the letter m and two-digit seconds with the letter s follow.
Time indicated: 3h44
